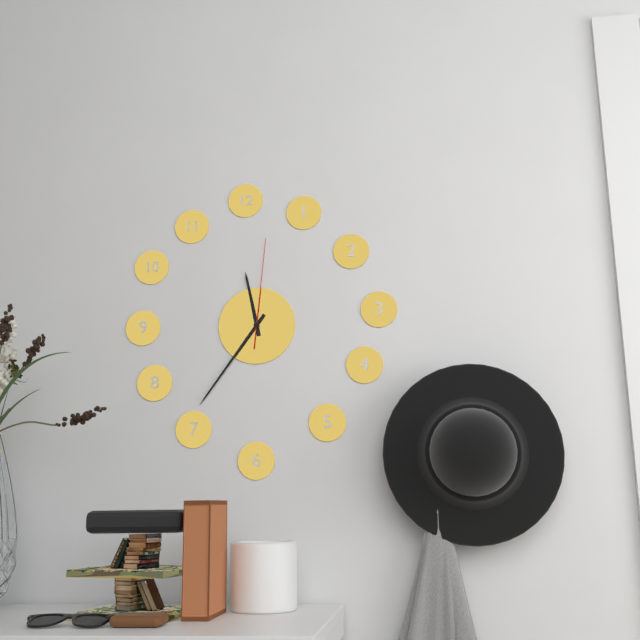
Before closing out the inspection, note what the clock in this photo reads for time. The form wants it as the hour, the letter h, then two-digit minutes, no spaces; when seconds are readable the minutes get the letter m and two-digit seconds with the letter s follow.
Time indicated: 11h36m01s
